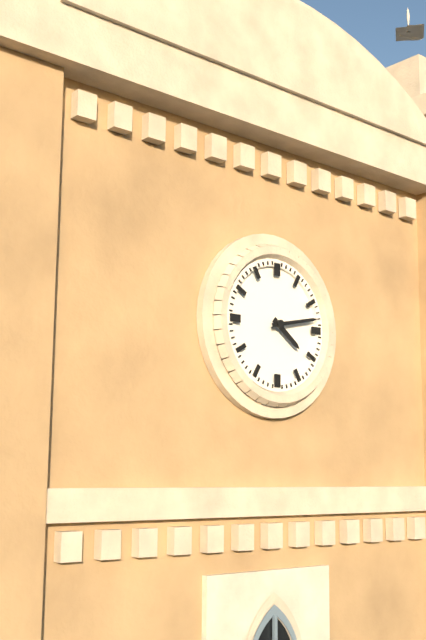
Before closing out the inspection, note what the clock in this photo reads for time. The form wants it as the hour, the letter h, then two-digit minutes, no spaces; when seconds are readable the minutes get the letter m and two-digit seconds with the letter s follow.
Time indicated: 4h13
